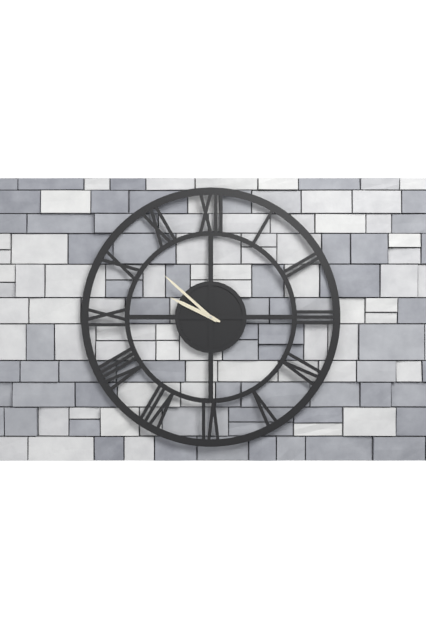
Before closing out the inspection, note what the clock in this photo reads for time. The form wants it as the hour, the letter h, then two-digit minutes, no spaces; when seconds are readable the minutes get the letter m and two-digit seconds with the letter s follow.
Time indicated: 9h52
